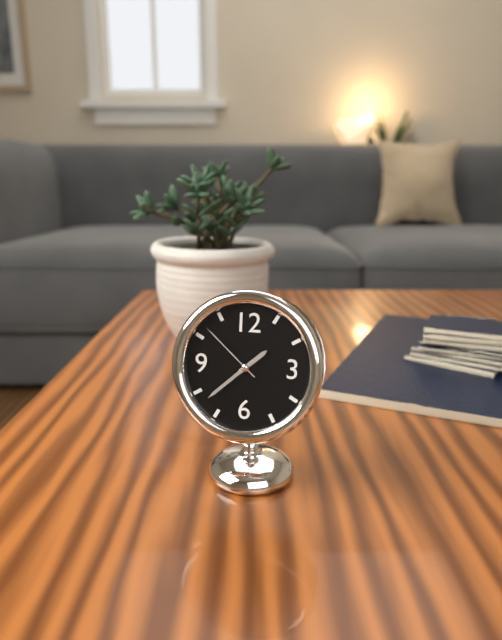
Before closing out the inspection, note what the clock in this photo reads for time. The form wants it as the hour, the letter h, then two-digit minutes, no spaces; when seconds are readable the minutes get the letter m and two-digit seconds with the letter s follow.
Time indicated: 1h38m52s
